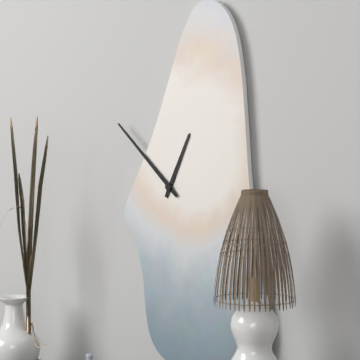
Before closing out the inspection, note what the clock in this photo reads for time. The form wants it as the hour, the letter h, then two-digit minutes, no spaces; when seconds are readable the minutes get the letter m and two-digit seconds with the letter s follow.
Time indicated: 12h52
